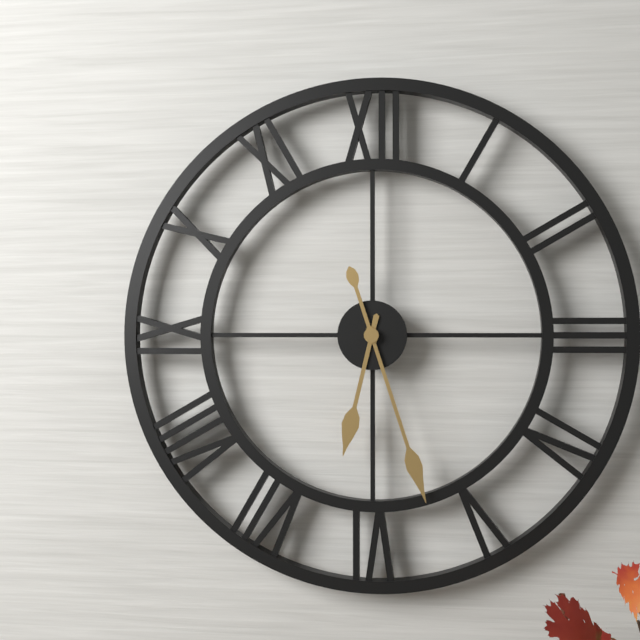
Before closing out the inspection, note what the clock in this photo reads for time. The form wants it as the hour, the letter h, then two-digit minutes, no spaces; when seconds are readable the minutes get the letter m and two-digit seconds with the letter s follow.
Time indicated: 6h27
